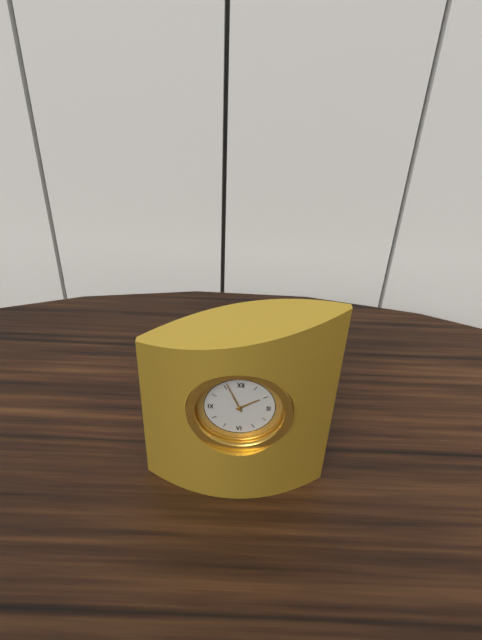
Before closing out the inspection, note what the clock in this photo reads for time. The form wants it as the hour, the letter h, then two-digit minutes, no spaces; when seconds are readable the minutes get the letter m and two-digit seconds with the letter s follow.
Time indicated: 1h56
